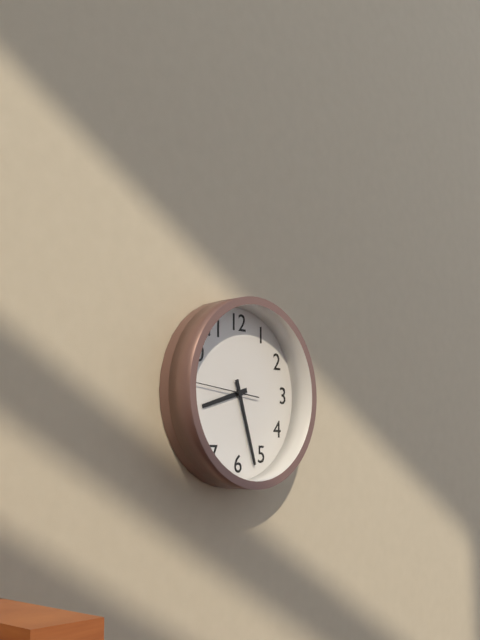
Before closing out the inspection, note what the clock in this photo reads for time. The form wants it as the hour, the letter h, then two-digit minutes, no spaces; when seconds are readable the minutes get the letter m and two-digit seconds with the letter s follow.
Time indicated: 8h27m46s
